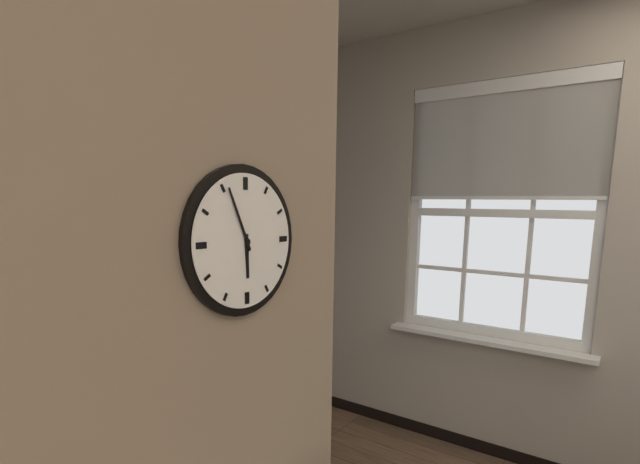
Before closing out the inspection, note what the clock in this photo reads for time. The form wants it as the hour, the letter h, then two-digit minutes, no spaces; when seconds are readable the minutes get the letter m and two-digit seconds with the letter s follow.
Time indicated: 5h56
